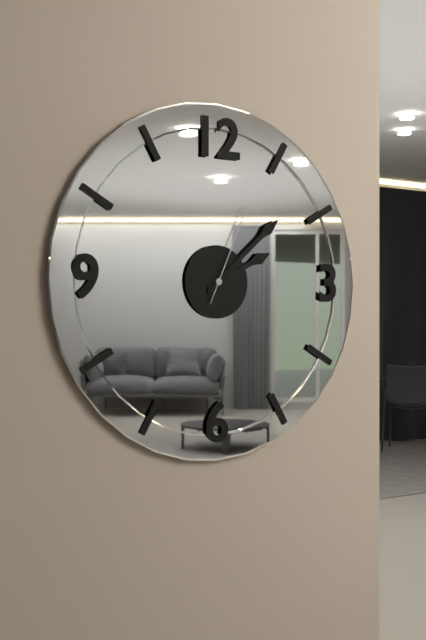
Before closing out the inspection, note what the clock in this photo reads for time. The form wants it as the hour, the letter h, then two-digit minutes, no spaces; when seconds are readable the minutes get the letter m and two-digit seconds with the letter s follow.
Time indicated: 2h08m04s
